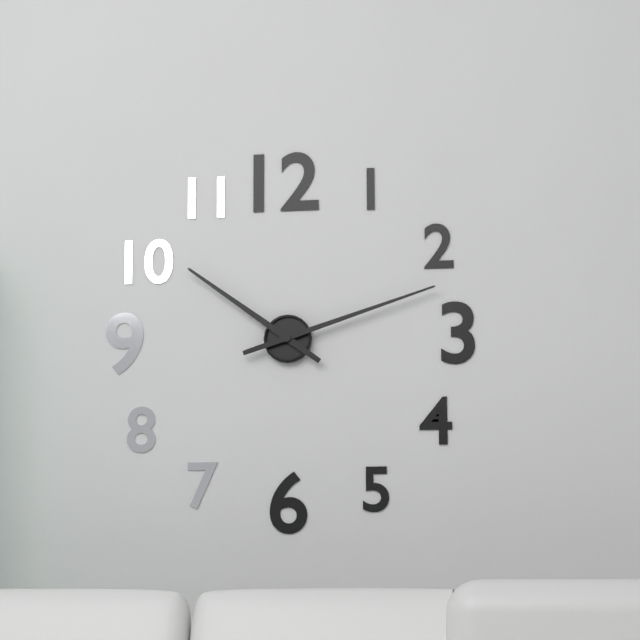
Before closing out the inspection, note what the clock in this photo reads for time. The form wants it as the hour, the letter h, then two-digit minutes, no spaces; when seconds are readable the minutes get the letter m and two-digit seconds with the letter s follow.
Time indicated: 10h12
